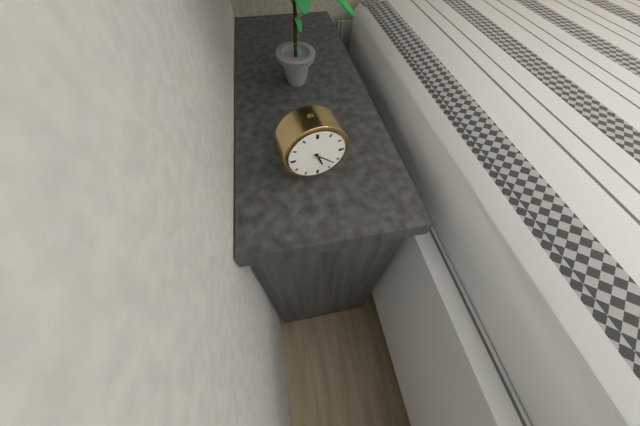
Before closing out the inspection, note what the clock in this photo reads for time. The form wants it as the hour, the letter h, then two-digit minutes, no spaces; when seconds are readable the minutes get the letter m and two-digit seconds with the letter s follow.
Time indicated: 5h22
